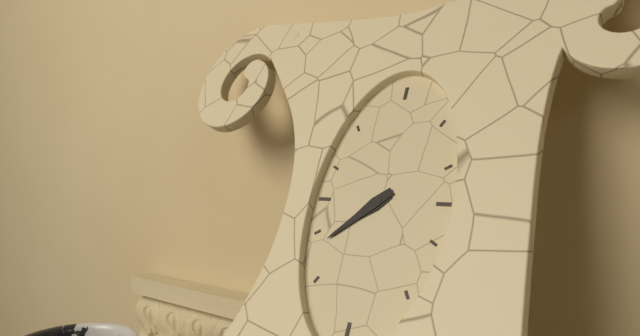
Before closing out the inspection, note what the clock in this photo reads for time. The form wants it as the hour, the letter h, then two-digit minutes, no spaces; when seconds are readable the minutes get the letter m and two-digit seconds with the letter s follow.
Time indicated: 7h38
